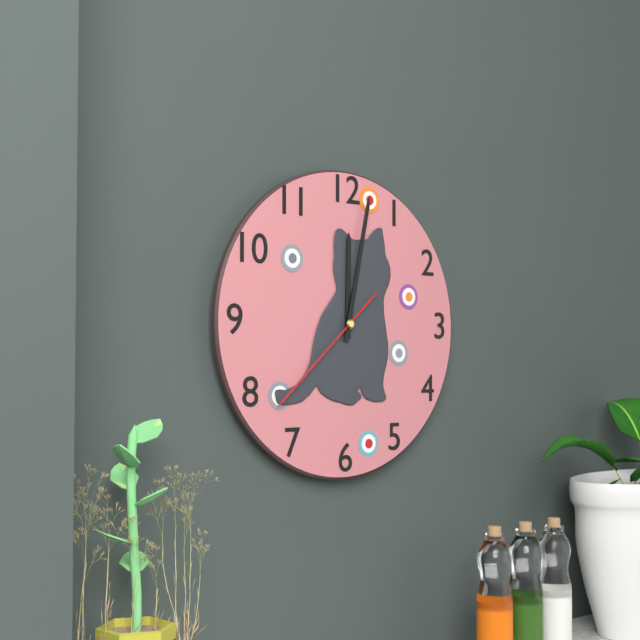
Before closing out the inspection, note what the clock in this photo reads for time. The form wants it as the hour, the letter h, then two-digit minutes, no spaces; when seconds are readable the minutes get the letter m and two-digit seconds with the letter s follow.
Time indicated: 12h02m38s
